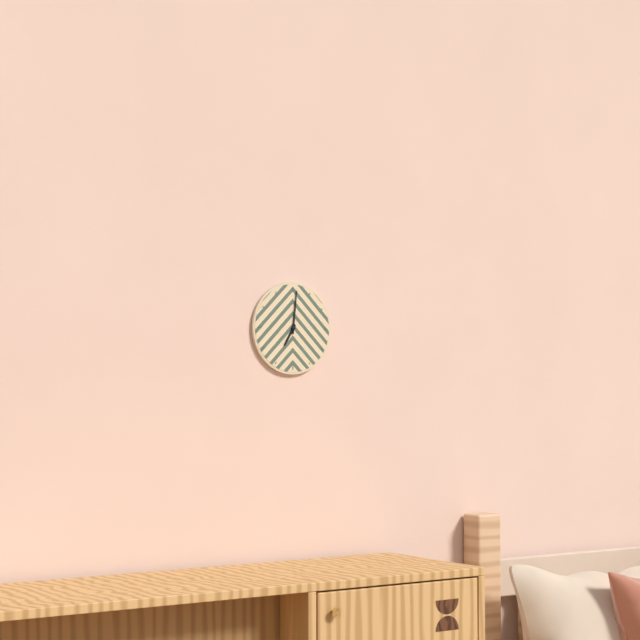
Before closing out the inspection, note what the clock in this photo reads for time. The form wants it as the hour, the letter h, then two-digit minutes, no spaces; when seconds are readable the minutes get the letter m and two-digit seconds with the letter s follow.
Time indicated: 7h01
